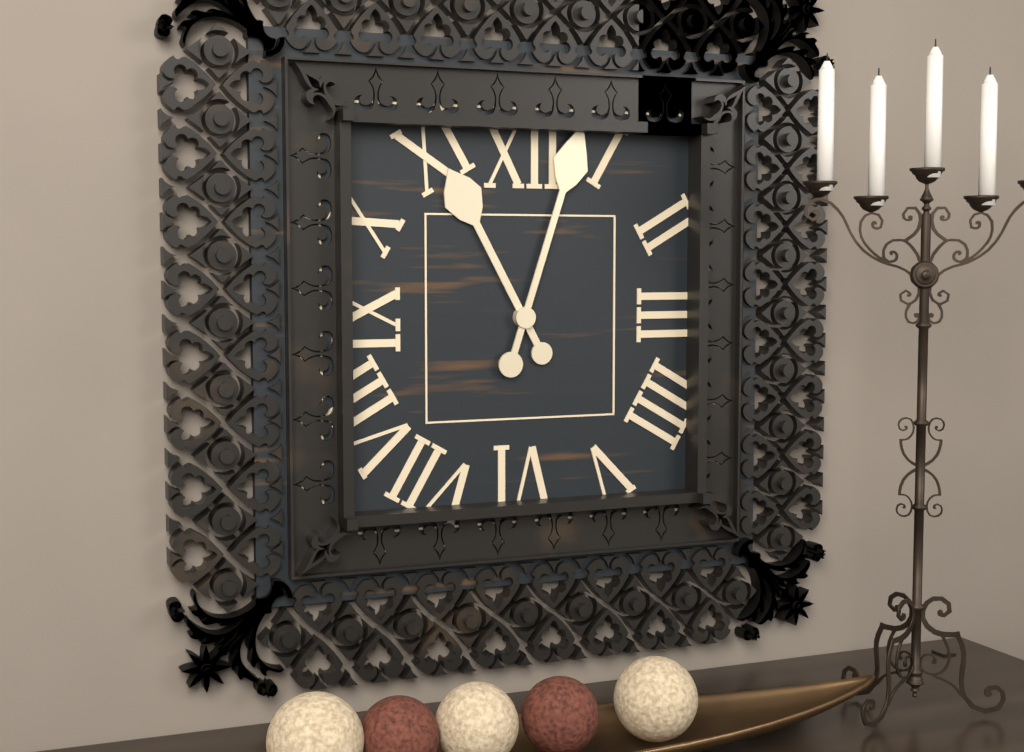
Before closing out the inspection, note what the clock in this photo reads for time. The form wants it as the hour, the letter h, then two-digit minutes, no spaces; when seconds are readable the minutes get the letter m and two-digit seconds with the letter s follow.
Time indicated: 11h03
